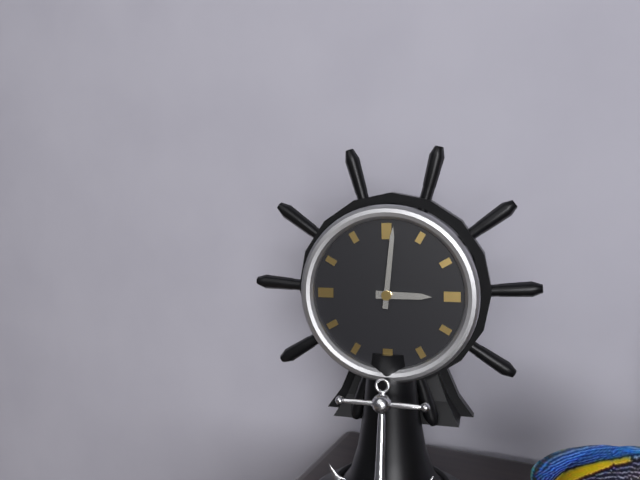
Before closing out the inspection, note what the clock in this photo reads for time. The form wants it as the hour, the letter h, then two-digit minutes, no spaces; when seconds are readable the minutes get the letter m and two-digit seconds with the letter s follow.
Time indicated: 3h01
